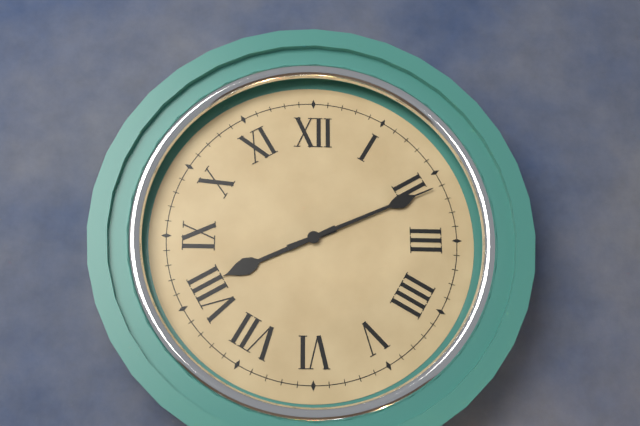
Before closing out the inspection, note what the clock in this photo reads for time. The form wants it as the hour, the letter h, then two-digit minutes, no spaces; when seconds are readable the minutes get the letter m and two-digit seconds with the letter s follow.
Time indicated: 8h11
